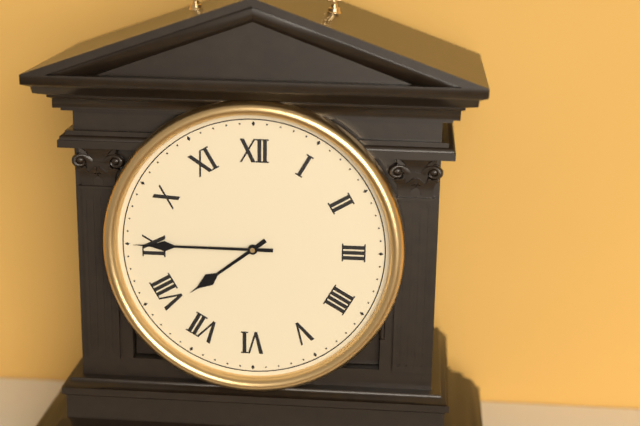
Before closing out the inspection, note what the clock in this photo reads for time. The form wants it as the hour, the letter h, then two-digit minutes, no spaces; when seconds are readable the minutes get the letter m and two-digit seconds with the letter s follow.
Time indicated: 7h45
